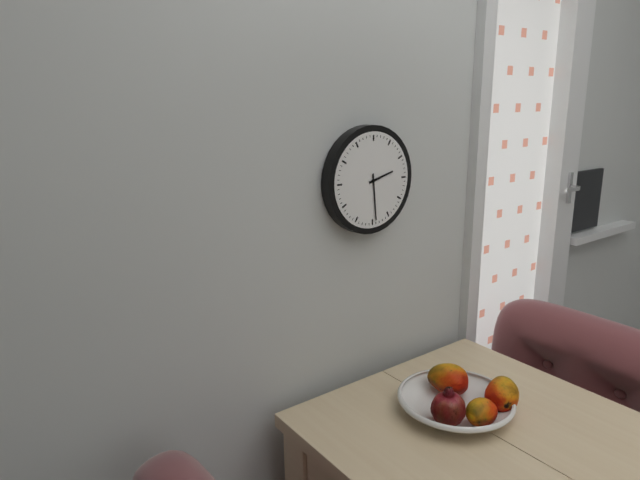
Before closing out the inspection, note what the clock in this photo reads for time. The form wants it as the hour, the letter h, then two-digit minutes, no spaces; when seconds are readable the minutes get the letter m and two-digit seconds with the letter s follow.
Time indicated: 2h29
